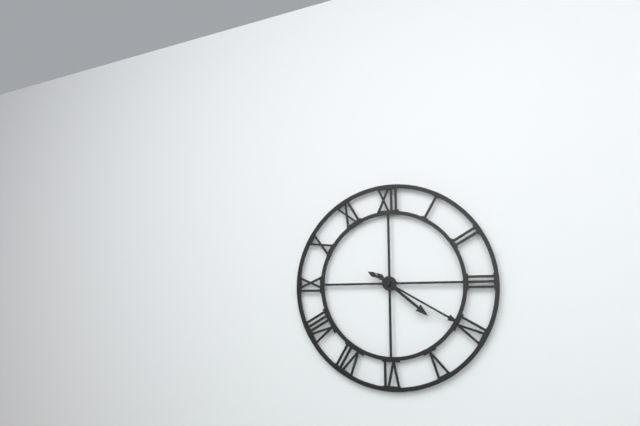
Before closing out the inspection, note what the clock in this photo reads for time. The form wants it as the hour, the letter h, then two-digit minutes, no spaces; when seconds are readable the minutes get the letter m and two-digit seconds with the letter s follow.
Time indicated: 4h20
